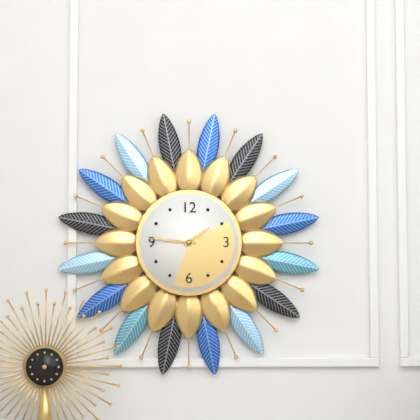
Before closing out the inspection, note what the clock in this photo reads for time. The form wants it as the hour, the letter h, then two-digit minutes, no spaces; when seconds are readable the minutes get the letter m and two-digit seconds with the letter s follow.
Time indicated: 1h46
